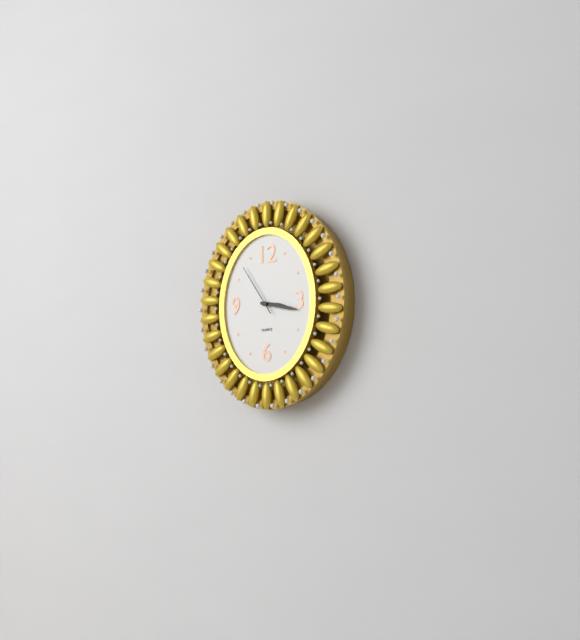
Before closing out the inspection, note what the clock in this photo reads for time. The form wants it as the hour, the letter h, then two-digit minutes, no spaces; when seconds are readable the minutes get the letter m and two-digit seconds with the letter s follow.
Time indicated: 3h17m54s
